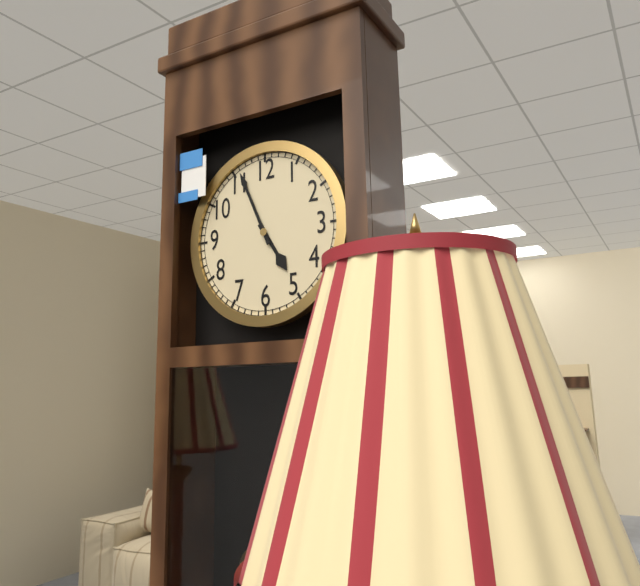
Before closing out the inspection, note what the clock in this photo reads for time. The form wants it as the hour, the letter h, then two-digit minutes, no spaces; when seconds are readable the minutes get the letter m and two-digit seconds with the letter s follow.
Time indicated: 4h56
